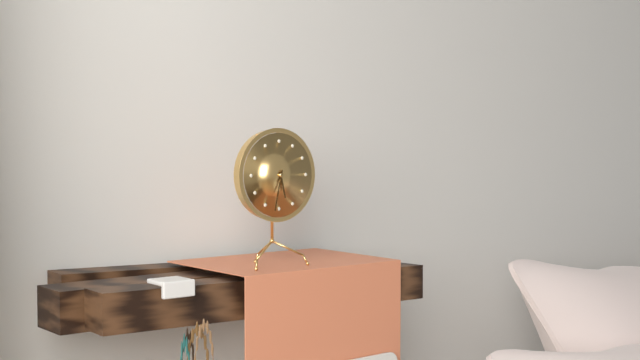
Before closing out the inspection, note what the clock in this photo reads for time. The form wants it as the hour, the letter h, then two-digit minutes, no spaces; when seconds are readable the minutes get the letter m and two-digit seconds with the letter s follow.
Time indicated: 5h32
